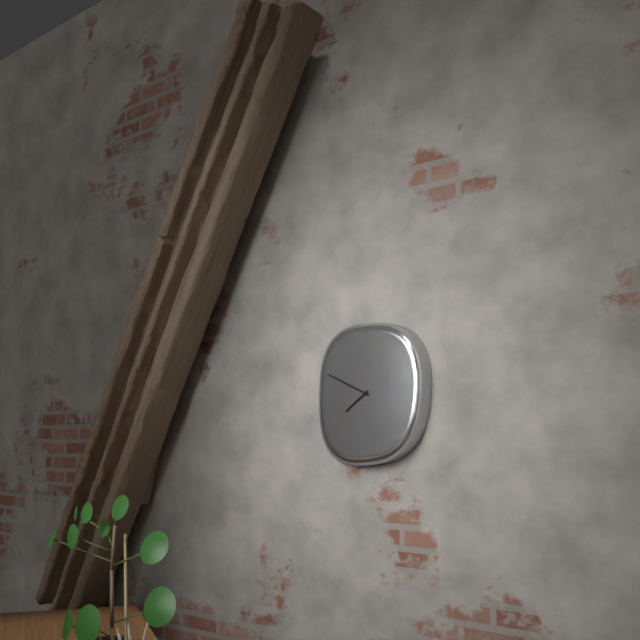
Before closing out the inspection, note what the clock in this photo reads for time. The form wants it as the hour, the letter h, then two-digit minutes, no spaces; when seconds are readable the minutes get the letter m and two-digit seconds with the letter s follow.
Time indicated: 7h49
